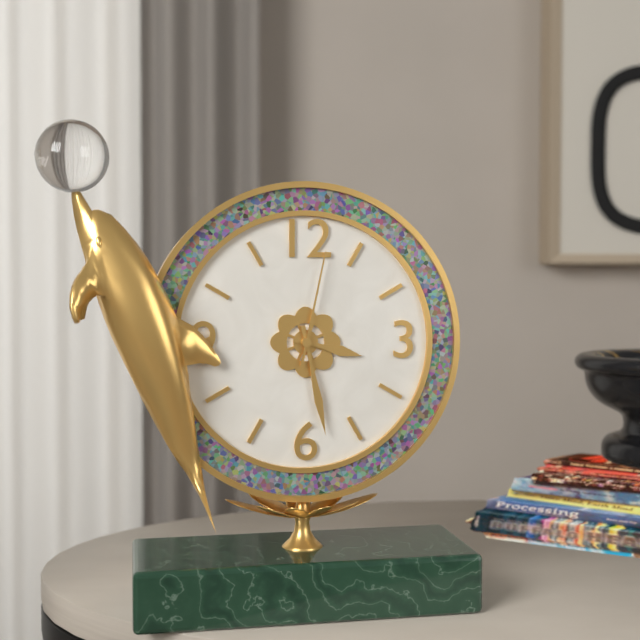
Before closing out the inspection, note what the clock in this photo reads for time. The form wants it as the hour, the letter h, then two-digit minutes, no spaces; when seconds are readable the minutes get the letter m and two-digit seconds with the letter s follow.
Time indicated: 3h28m02s
